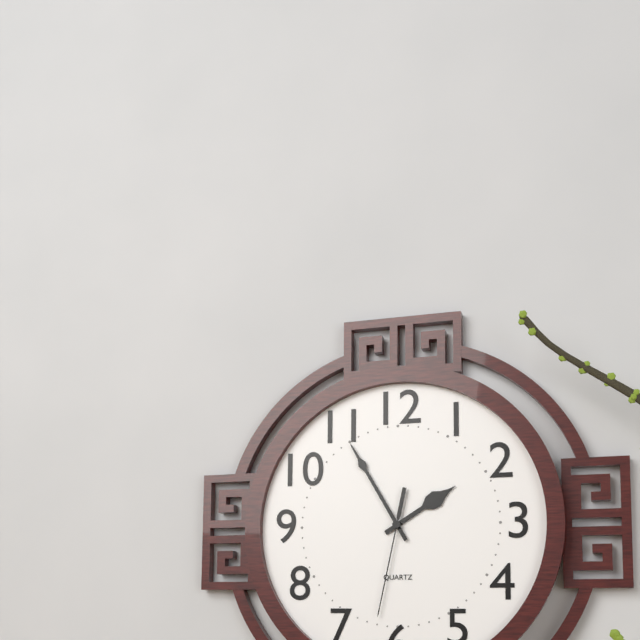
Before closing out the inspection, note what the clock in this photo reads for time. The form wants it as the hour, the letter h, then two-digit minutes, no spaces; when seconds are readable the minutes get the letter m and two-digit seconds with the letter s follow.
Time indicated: 1h55m32s
